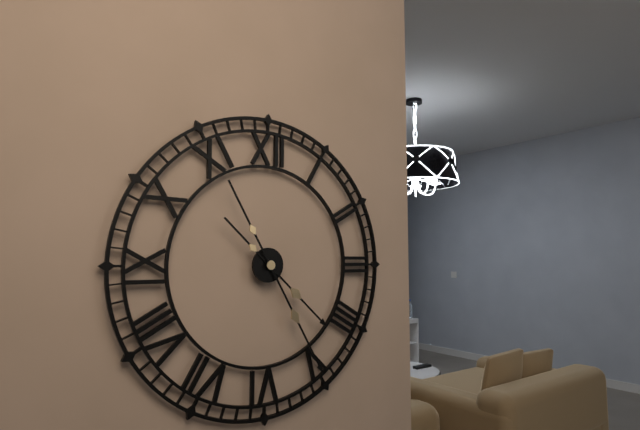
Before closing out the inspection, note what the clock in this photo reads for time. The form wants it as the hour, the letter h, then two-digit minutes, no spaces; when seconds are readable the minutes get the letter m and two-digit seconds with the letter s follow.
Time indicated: 4h25
